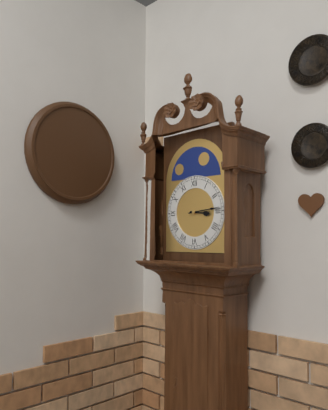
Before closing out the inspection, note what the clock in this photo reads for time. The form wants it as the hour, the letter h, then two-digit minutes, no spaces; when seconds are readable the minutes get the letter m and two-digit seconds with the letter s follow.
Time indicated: 3h14
